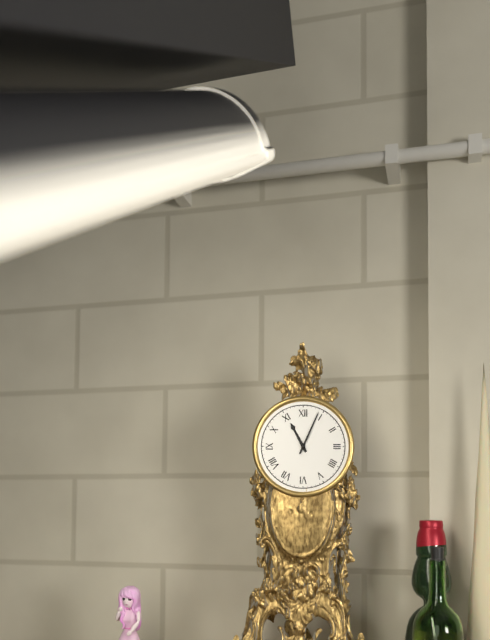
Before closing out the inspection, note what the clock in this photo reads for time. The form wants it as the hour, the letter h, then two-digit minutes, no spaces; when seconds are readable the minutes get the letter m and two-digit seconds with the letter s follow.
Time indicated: 11h04
